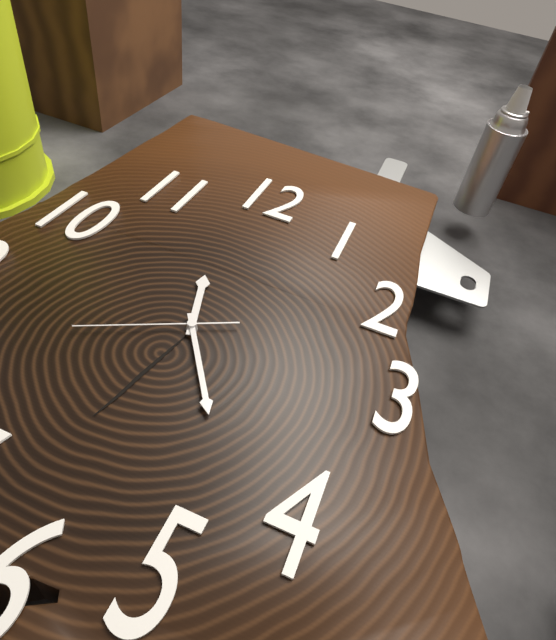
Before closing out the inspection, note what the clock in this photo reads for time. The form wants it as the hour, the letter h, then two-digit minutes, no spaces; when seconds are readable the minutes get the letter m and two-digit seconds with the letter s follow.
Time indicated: 11h24m40s
